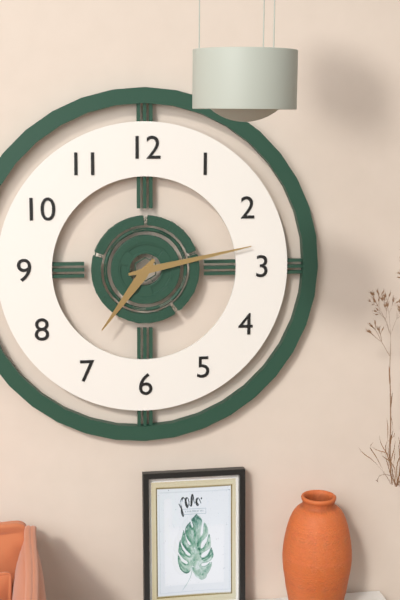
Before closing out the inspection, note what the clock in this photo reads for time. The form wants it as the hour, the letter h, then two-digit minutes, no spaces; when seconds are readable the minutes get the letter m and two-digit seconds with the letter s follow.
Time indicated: 7h13
